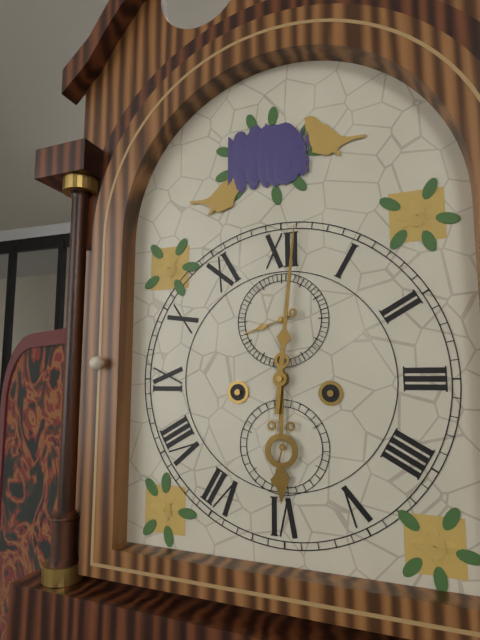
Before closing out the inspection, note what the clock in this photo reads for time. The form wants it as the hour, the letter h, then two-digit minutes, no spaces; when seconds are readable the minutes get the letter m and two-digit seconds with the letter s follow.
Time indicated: 6h01m42s
